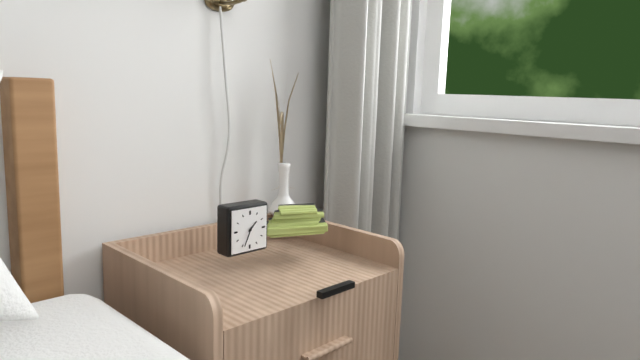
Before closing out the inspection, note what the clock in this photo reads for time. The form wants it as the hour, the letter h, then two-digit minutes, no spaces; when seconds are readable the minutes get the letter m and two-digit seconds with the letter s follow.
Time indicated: 1h34
